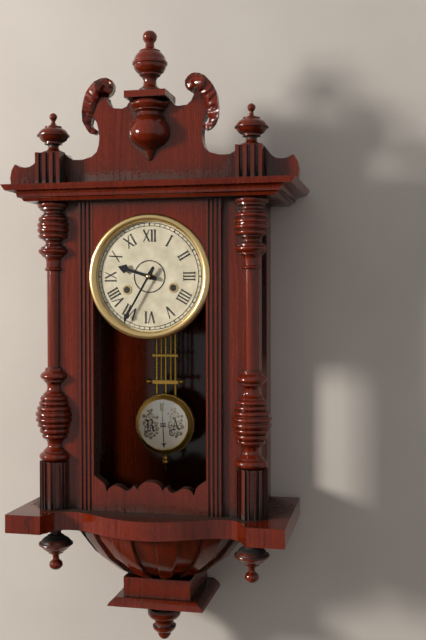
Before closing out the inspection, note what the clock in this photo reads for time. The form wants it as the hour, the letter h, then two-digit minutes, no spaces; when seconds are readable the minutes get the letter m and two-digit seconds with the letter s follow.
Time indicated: 9h35
